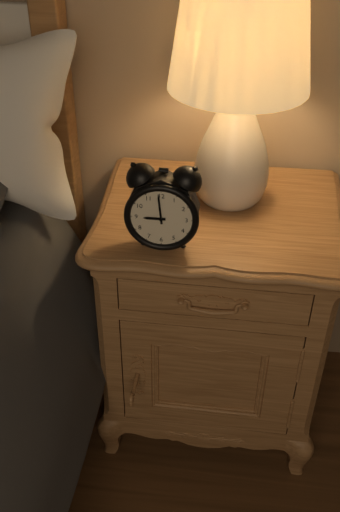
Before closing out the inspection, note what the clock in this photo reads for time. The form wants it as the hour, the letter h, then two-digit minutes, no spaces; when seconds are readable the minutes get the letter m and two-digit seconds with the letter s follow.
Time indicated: 8h59
